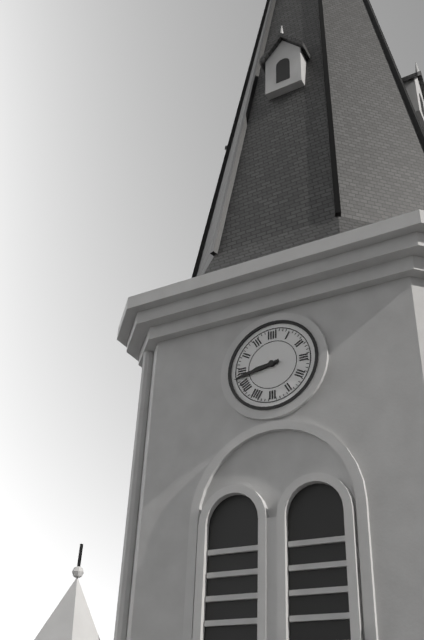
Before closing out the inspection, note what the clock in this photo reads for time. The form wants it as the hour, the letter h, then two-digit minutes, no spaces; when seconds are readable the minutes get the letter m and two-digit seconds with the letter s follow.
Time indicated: 8h43
